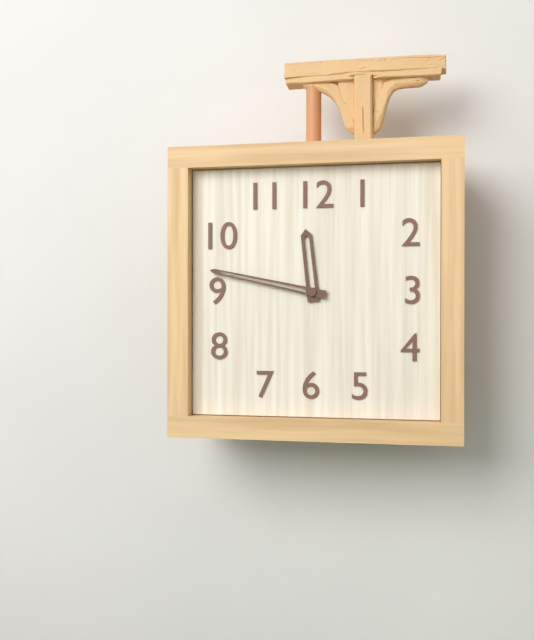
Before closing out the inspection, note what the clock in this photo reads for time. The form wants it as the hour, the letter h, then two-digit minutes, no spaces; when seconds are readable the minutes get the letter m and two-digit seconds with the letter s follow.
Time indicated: 11h47
